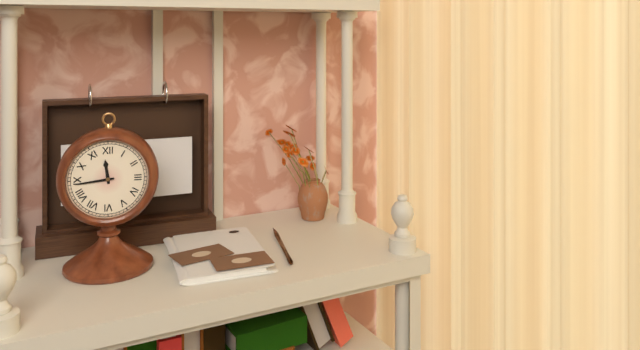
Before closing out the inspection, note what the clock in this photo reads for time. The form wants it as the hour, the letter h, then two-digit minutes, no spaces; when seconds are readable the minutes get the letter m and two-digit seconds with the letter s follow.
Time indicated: 11h44
